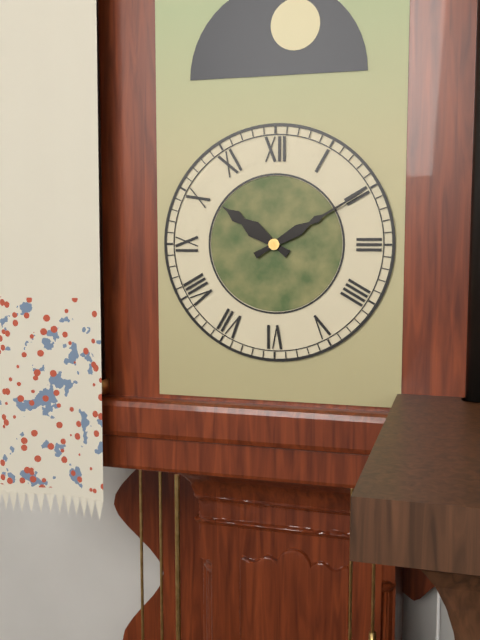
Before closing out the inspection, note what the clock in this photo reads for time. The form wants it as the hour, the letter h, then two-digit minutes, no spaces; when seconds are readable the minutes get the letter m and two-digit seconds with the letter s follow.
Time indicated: 10h10
